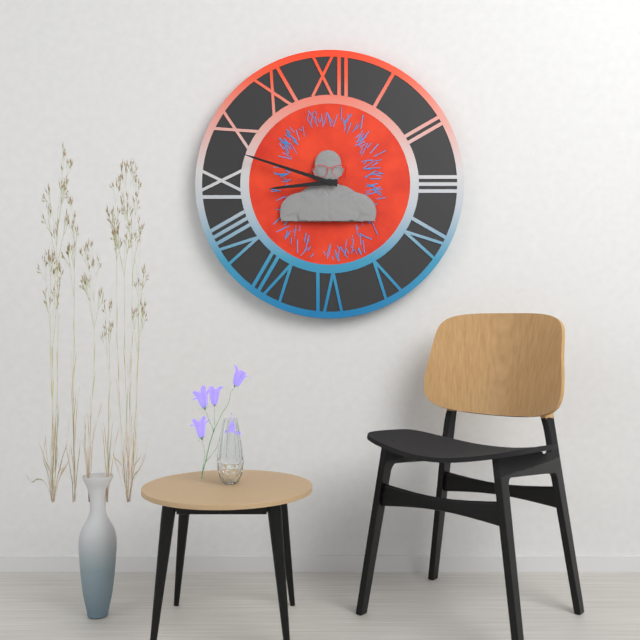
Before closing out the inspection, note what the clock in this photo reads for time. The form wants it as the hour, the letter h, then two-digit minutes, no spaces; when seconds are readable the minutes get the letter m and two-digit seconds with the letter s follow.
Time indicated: 8h48
